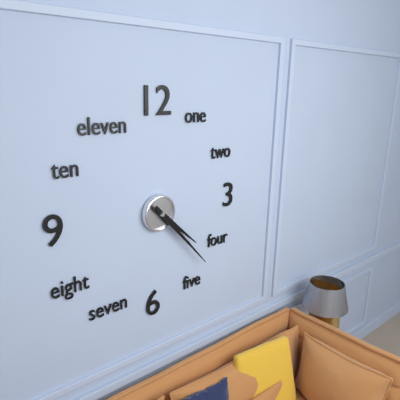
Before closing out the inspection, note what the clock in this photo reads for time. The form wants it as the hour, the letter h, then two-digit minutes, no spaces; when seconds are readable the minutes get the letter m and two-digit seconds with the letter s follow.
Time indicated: 4h23
